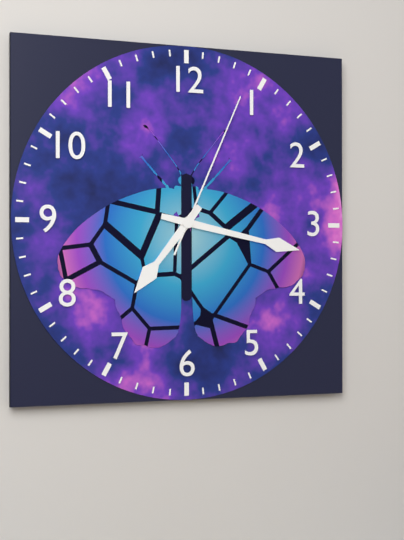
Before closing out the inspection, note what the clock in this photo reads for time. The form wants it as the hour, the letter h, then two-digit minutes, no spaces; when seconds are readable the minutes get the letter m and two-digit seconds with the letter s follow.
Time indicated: 7h17m04s
